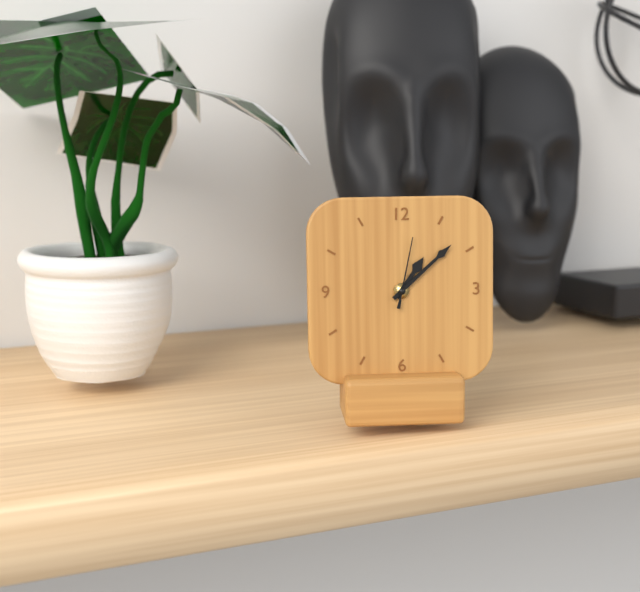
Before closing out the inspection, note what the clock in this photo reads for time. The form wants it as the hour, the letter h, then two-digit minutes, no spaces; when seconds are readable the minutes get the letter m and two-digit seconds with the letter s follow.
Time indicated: 1h08m02s
